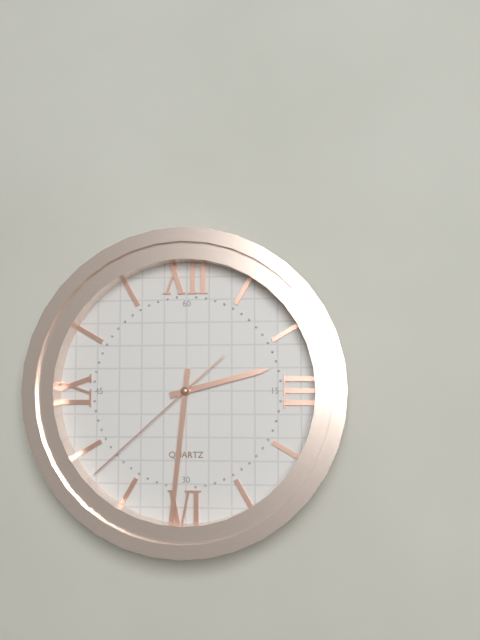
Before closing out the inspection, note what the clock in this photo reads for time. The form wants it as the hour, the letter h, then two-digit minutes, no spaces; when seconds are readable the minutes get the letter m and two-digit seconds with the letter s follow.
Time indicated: 2h31m38s
